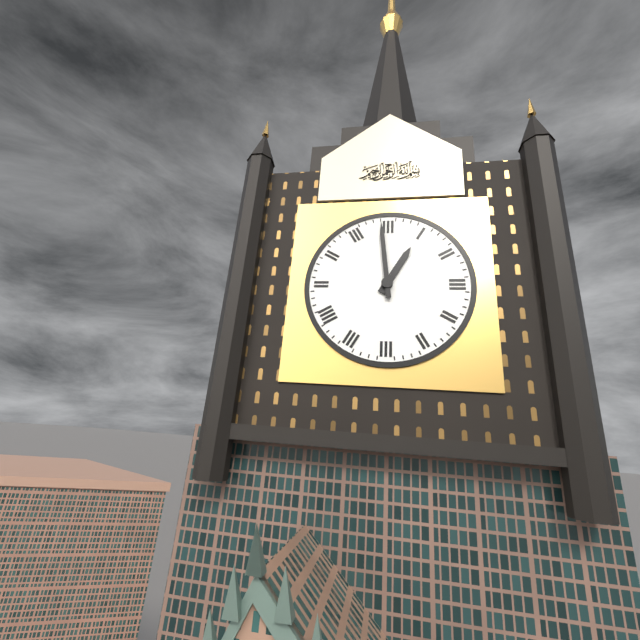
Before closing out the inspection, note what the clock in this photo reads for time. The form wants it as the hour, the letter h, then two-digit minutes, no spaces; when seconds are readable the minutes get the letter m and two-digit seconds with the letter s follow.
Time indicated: 12h59
